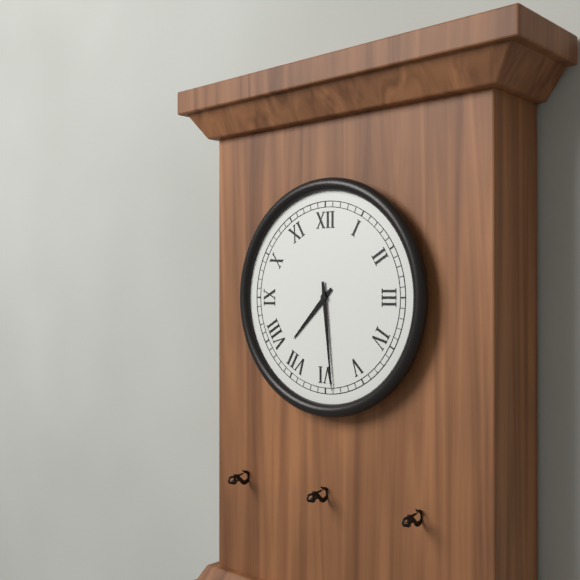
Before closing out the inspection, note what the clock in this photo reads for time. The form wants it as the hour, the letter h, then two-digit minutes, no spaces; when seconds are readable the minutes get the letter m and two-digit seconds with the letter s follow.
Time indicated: 7h29
